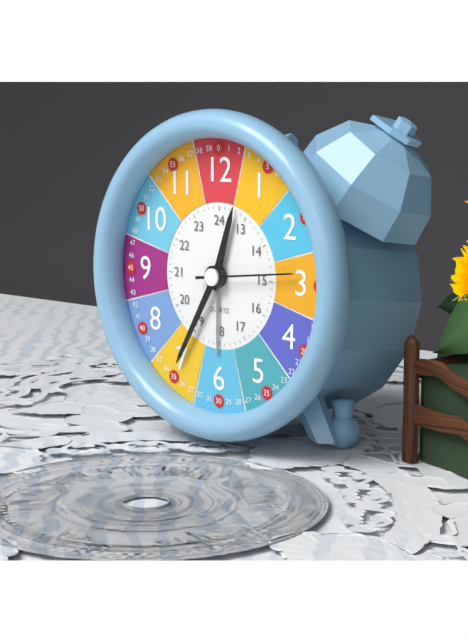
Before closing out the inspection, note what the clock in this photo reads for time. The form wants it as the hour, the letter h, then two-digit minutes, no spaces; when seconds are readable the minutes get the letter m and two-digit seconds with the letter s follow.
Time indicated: 12h35m14s
